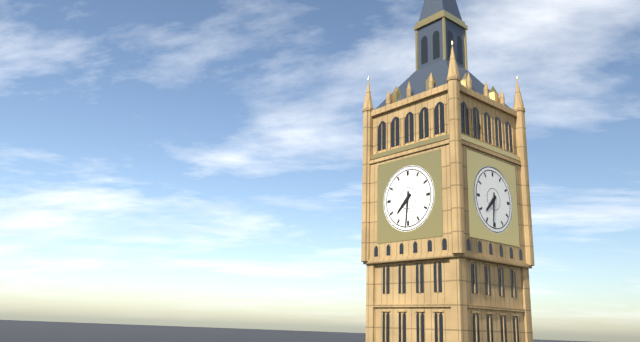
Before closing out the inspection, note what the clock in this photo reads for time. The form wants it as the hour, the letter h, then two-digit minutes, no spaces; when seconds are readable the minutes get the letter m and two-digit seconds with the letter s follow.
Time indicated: 7h31
